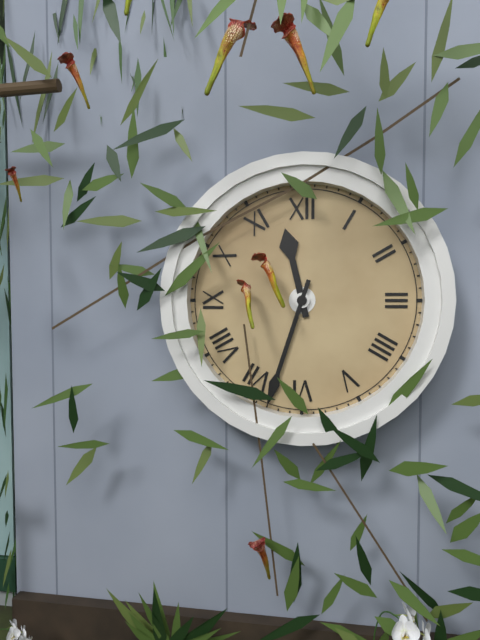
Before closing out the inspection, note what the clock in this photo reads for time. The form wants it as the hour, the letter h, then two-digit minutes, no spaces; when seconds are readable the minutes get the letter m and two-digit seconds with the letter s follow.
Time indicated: 11h33
